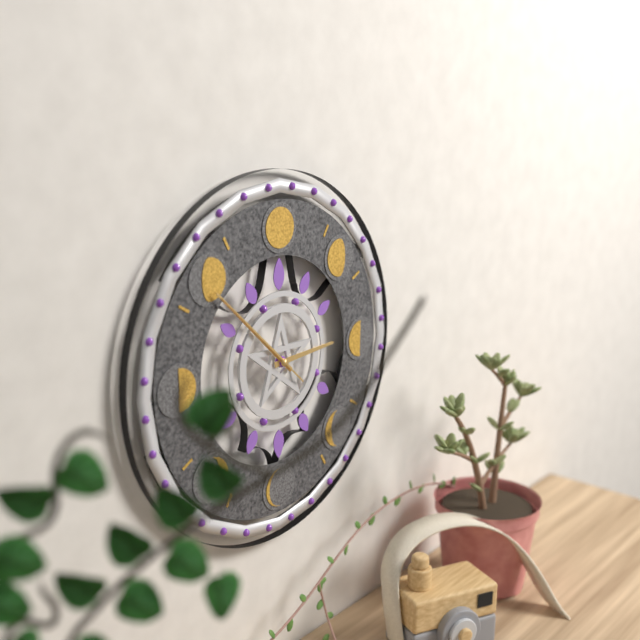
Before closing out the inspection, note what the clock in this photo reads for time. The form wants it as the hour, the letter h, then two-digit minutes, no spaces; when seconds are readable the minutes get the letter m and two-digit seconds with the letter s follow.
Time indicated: 2h52m52s
